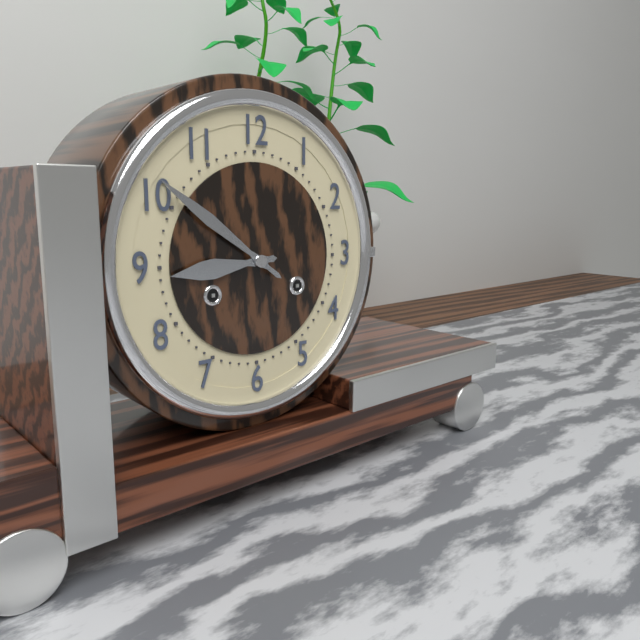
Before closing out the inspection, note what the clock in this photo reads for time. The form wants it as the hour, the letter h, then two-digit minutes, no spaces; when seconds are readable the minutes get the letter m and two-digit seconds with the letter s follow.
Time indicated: 8h51
